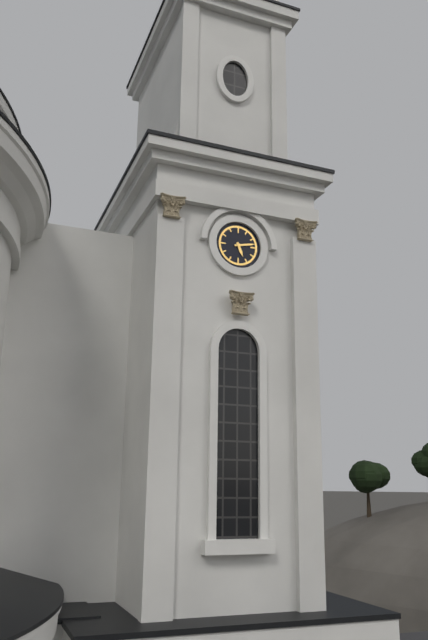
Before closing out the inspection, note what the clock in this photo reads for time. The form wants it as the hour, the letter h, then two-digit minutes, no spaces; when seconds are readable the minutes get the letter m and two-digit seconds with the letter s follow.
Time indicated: 5h13
